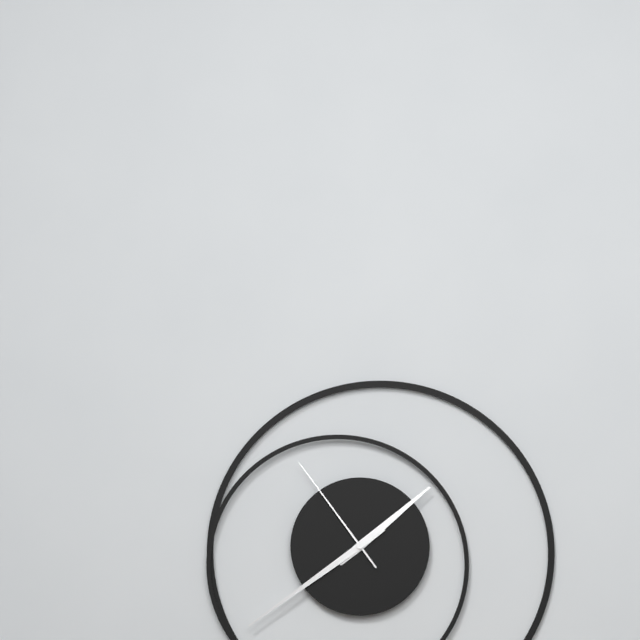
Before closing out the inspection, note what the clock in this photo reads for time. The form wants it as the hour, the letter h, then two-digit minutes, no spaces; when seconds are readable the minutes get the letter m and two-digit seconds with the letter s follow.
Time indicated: 1h39m54s
